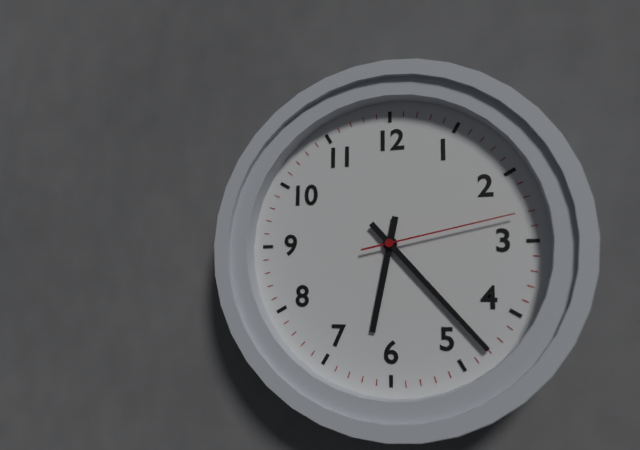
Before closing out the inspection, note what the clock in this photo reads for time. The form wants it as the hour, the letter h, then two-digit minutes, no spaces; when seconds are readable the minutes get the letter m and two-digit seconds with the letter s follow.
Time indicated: 6h23m13s
